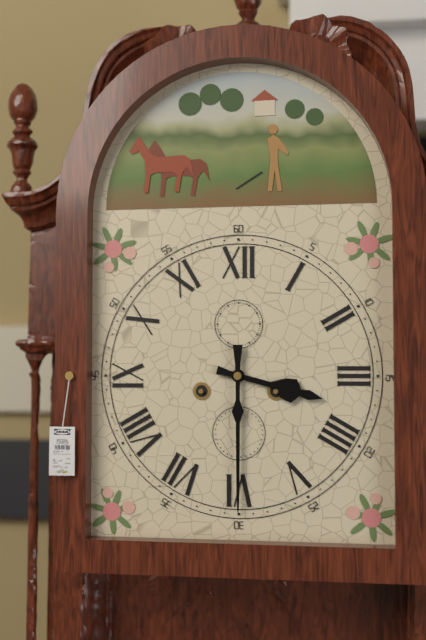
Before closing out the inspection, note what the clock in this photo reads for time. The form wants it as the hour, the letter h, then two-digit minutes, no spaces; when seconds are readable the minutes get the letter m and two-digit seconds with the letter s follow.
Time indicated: 3h30
